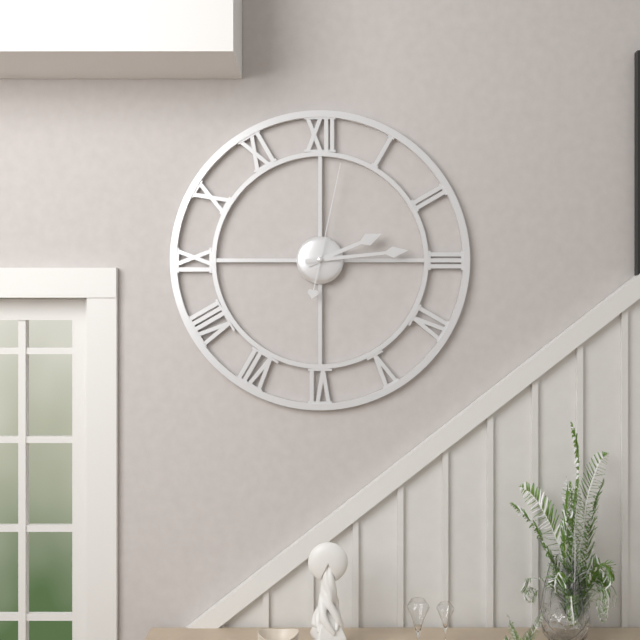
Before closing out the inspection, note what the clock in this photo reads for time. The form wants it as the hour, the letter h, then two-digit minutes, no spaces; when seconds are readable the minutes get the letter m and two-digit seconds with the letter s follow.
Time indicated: 2h14m02s
